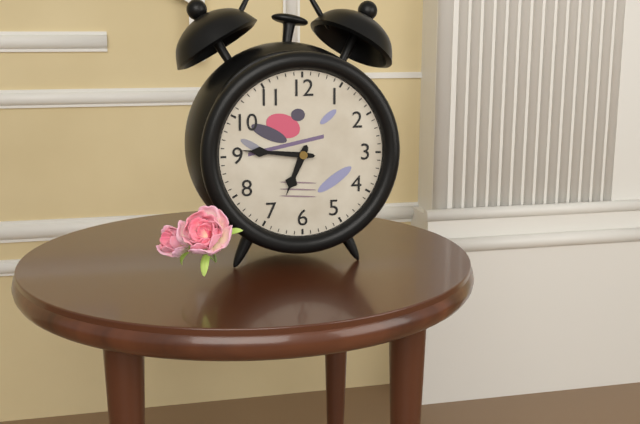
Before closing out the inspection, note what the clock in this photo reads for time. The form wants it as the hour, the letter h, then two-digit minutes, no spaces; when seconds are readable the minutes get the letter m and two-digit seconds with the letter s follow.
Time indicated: 6h46
